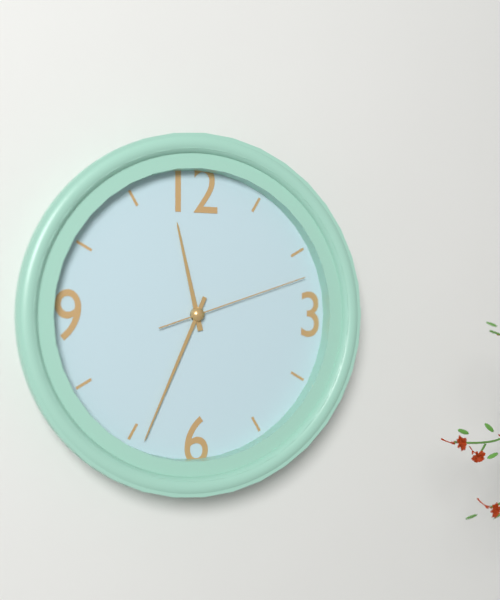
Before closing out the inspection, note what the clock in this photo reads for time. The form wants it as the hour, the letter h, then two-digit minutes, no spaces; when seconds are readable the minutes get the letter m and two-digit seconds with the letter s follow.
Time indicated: 11h34m12s
